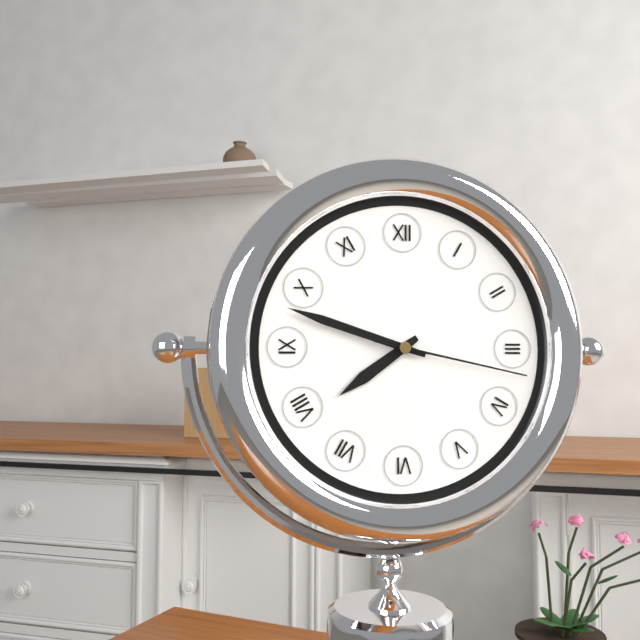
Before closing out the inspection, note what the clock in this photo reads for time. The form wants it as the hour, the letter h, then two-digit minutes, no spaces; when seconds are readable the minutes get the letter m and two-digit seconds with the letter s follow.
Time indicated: 7h48m17s
